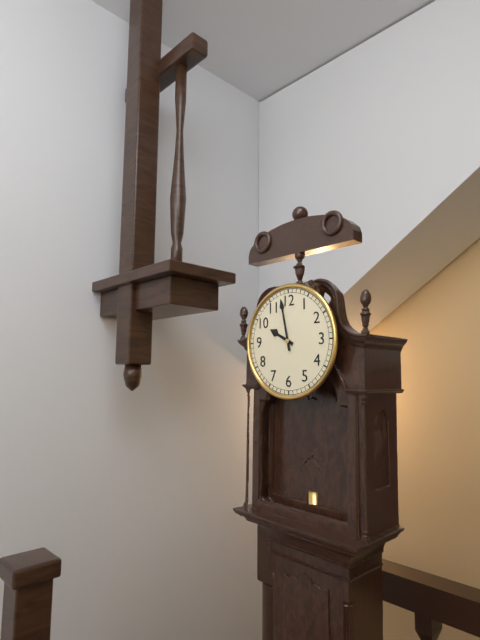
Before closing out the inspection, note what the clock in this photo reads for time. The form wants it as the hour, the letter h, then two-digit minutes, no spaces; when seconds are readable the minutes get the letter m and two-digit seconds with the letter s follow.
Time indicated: 9h58
